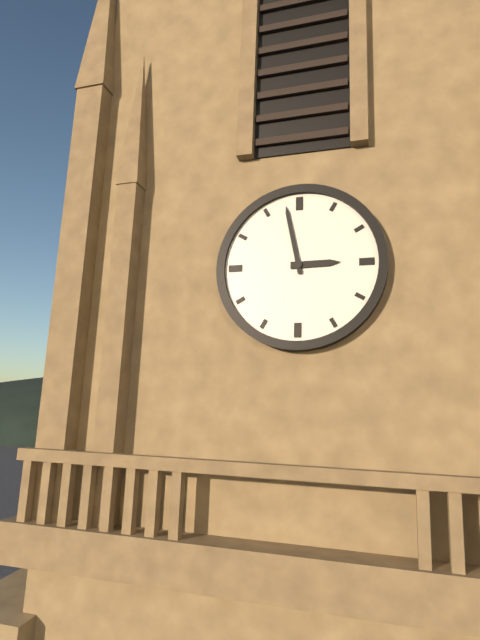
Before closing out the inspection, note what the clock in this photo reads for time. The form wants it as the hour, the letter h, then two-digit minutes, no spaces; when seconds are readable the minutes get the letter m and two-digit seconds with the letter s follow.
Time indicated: 2h58
